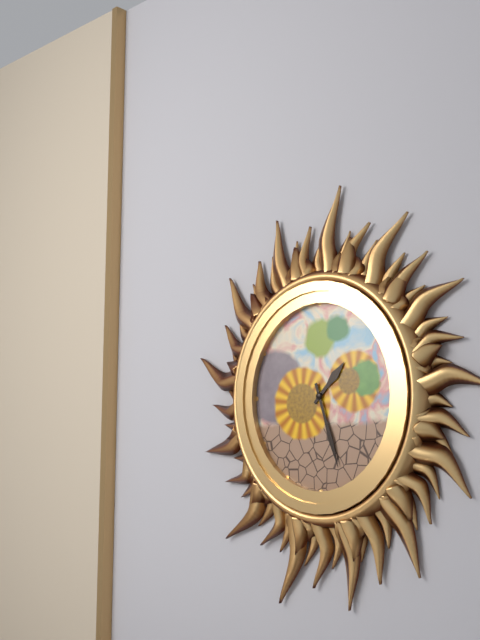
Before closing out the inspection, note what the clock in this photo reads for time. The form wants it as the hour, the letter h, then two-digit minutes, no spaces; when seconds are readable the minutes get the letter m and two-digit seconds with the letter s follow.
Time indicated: 1h27
